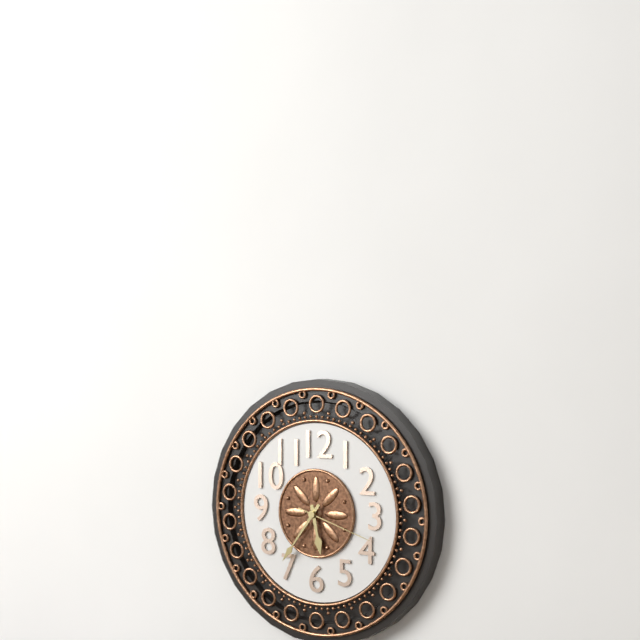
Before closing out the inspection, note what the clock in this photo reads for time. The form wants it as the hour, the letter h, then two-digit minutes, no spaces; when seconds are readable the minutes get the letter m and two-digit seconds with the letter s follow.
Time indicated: 5h36m18s
